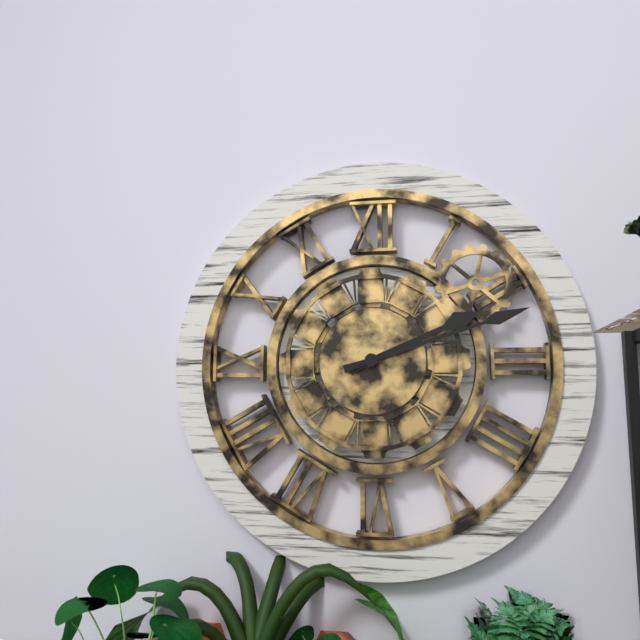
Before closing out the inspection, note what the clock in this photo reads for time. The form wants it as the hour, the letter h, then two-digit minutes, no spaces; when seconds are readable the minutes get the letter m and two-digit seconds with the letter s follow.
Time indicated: 2h12
